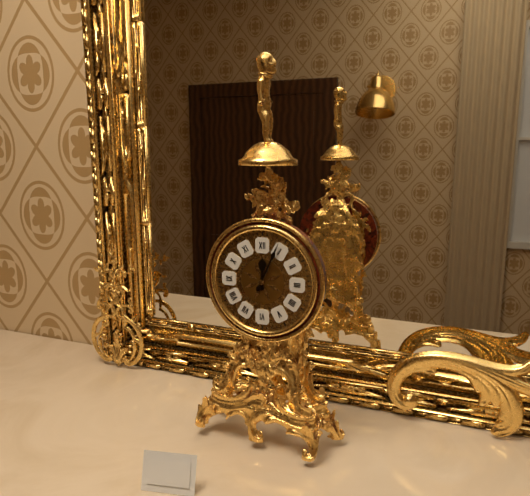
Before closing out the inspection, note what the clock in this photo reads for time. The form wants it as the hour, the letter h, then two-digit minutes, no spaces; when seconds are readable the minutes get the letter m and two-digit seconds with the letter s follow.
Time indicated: 12h04
